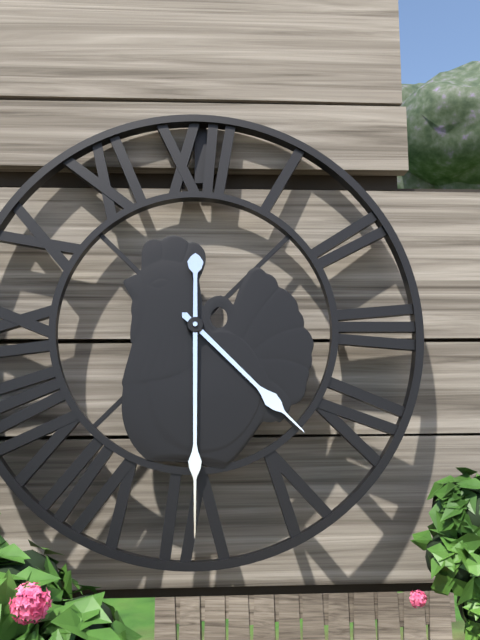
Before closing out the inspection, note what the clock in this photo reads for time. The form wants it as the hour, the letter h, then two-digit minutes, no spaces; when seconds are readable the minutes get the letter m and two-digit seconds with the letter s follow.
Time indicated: 4h30
